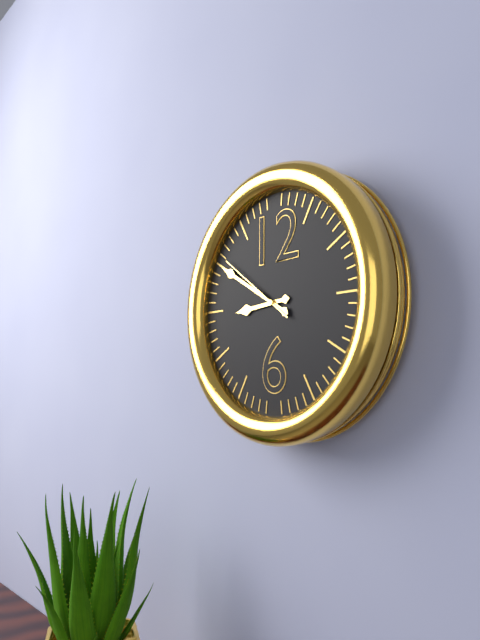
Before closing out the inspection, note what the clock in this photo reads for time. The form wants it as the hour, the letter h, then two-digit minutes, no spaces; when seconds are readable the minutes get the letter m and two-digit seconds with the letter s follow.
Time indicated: 8h50m51s
